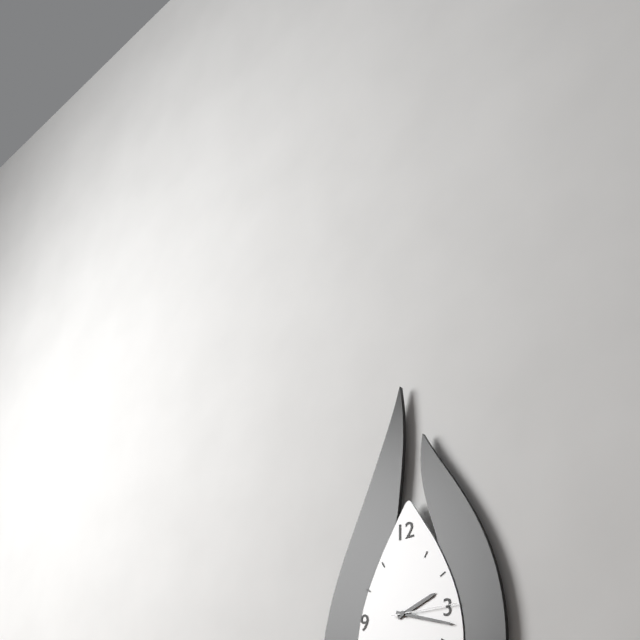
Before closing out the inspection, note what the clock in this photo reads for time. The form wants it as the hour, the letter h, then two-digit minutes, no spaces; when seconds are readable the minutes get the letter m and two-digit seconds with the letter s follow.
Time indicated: 2h18m15s
